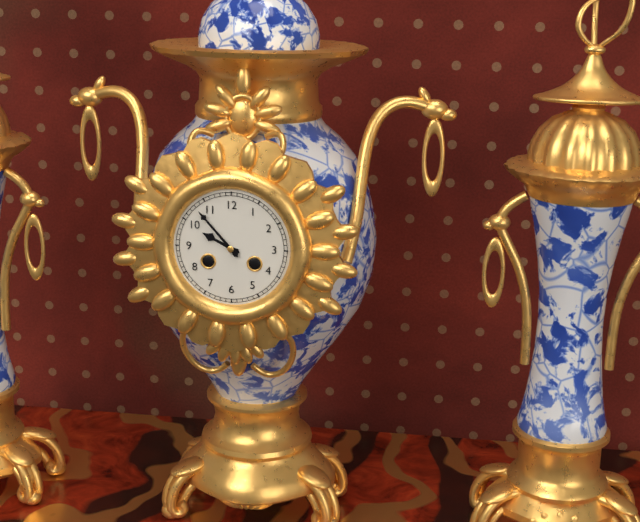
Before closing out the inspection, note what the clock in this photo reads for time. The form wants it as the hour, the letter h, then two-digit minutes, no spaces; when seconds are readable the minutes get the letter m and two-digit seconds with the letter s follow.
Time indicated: 9h53
